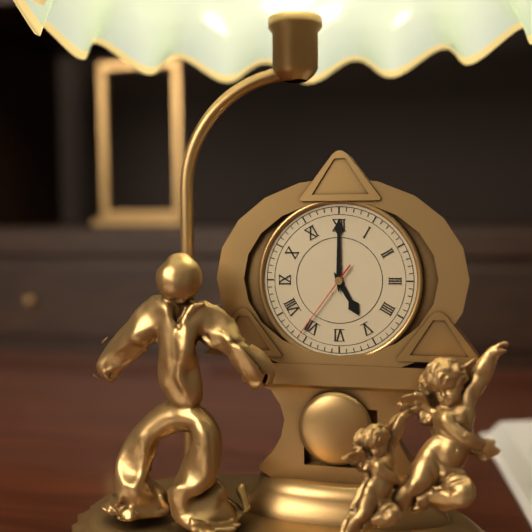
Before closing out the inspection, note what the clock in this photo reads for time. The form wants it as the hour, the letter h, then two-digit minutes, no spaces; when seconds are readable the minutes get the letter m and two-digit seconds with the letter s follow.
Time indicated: 5h00m36s
